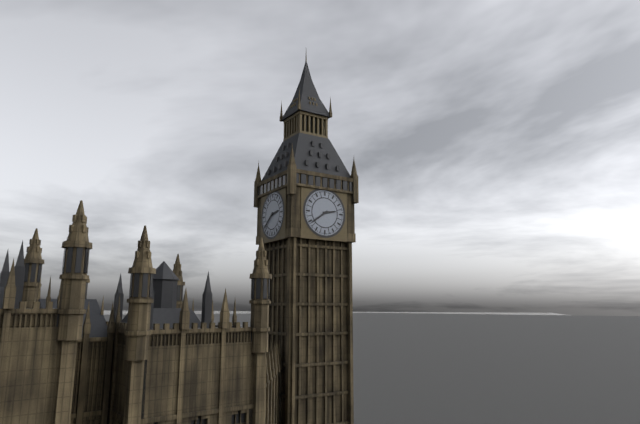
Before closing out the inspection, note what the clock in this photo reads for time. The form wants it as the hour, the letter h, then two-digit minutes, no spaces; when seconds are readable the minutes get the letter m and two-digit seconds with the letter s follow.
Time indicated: 2h39
